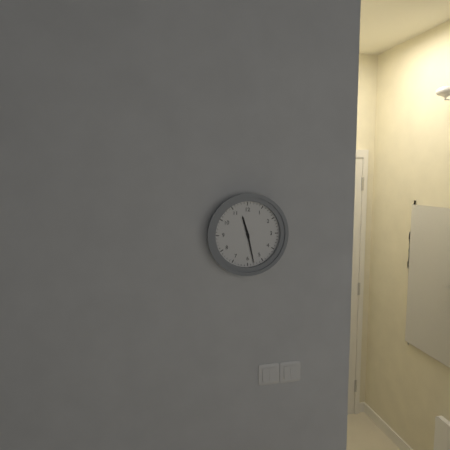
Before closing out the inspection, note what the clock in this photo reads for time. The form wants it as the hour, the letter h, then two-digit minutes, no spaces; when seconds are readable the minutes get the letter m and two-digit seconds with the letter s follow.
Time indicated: 11h28
